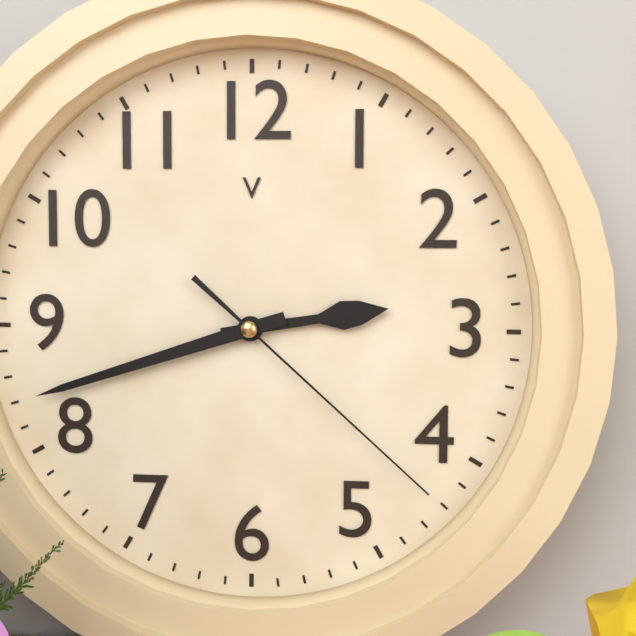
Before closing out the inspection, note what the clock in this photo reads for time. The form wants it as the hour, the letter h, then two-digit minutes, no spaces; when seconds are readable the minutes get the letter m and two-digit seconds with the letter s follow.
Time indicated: 2h42m22s
